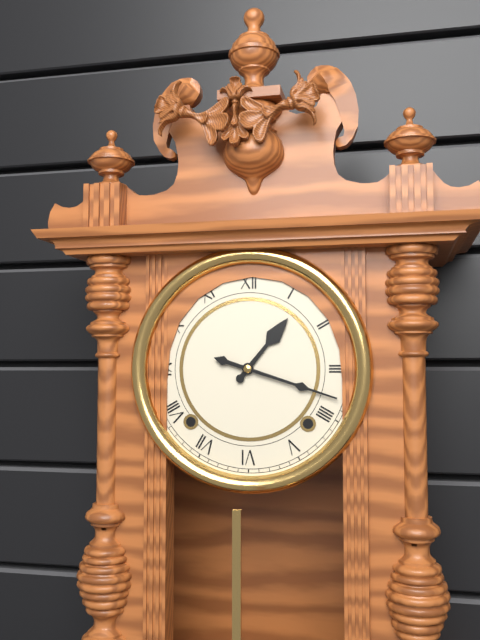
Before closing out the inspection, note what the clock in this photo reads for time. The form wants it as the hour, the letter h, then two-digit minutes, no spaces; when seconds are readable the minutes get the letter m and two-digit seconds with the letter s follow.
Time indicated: 1h18
